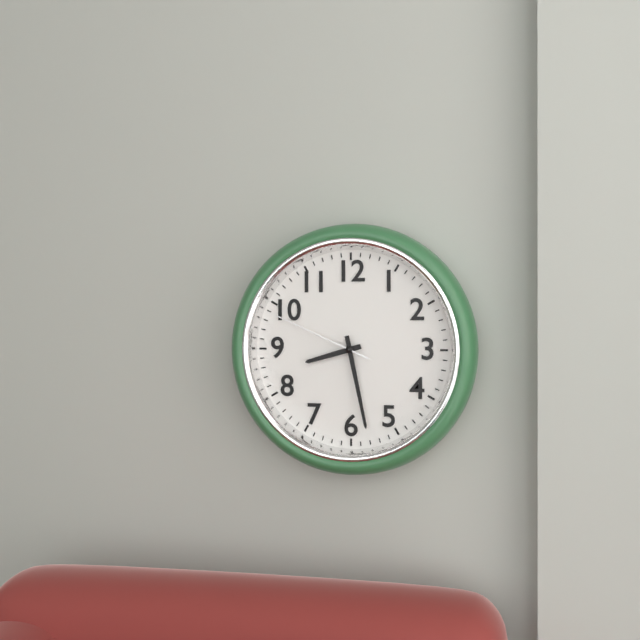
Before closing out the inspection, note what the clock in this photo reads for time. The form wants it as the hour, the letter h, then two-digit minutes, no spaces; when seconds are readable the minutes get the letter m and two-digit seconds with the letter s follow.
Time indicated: 8h28m49s
